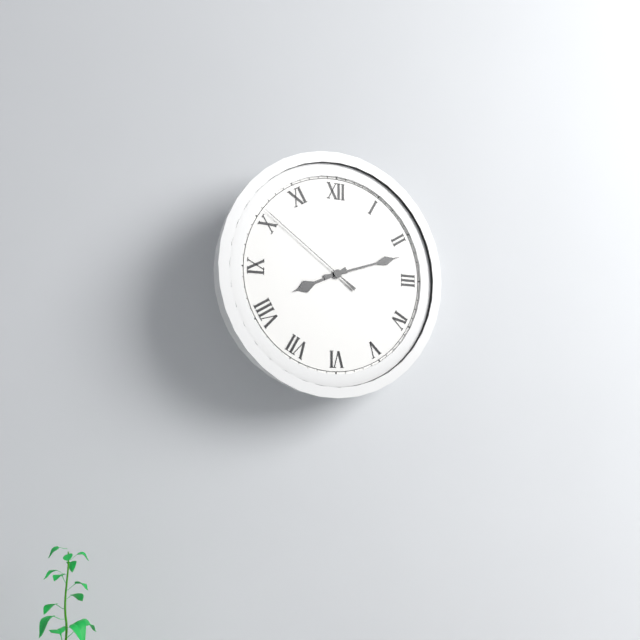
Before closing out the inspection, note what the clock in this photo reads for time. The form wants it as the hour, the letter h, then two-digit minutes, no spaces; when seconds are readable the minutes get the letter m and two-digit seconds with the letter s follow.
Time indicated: 8h12m51s
